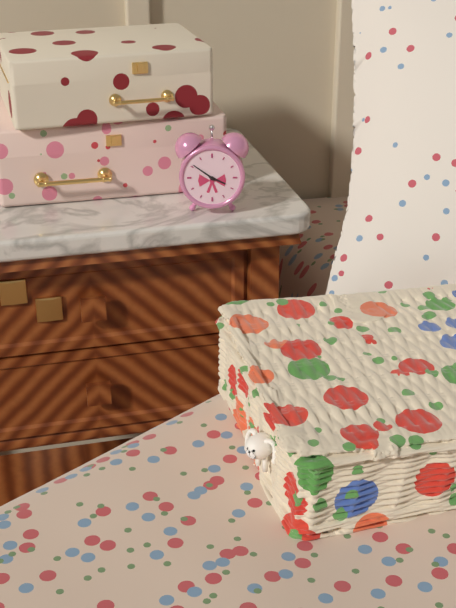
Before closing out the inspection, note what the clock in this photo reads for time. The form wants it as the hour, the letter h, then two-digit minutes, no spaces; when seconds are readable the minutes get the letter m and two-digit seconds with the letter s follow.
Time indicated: 3h51
